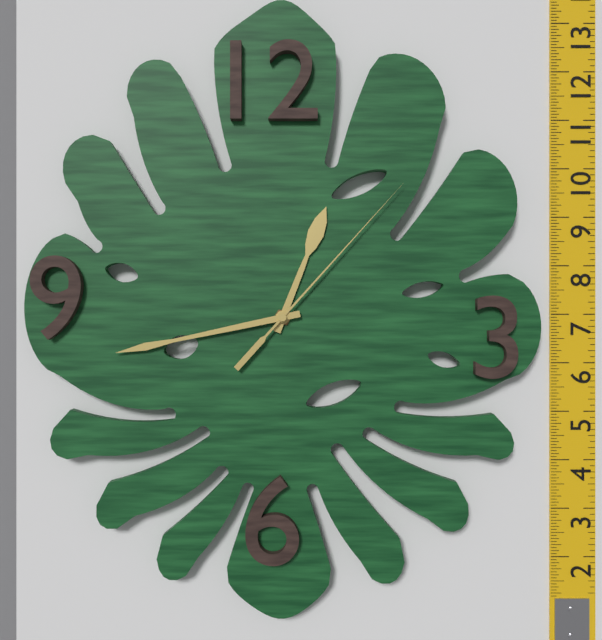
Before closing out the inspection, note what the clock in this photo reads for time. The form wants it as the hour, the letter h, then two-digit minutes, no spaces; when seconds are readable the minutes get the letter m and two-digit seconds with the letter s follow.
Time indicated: 12h43m07s
